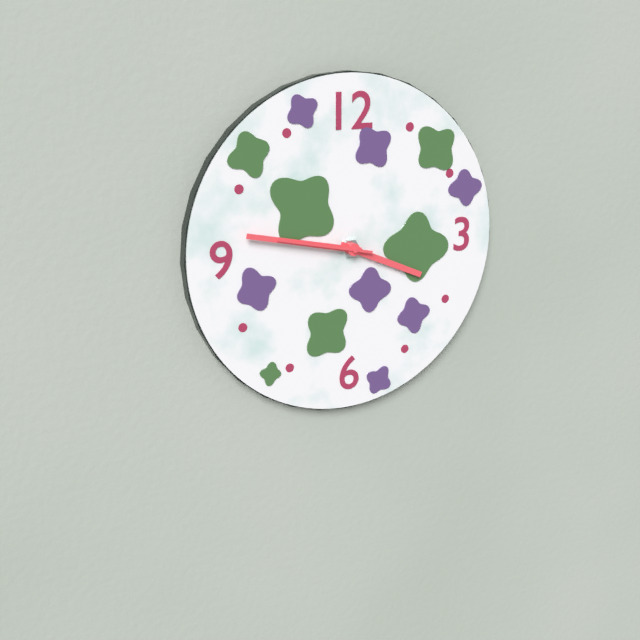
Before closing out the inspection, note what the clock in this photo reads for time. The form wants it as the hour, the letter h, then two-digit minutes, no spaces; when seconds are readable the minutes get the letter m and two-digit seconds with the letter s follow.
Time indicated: 3h47m47s
